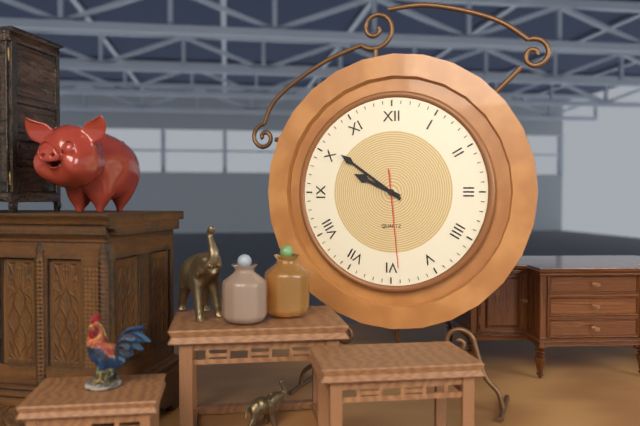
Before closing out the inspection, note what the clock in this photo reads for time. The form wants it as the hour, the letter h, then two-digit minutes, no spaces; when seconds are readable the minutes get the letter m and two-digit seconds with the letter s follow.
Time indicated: 9h51m29s
